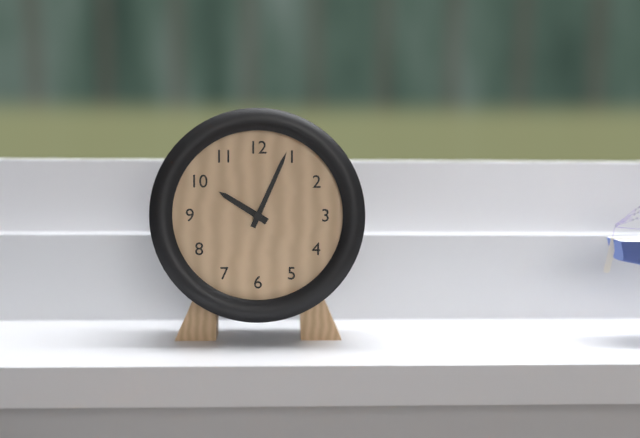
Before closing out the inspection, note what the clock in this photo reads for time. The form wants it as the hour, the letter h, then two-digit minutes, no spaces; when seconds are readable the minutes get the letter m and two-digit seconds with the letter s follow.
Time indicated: 10h04
